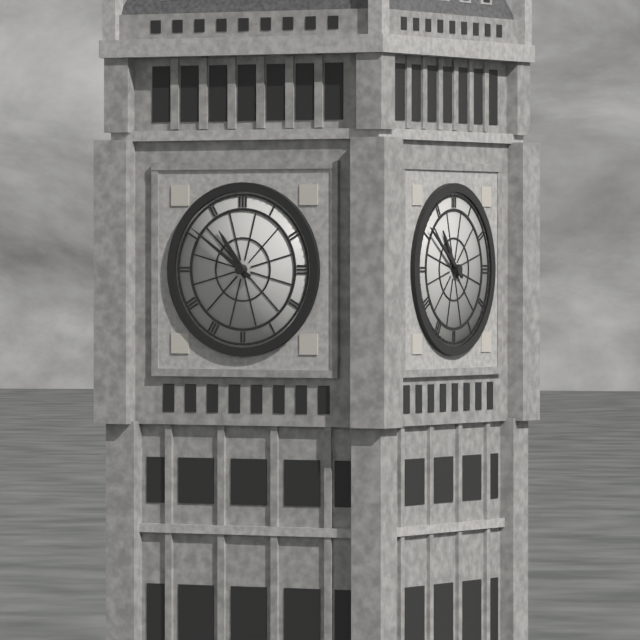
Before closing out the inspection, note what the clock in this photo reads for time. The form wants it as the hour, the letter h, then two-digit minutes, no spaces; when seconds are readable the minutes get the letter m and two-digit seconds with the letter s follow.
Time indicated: 10h51
